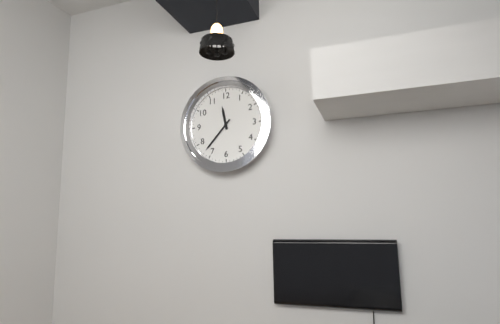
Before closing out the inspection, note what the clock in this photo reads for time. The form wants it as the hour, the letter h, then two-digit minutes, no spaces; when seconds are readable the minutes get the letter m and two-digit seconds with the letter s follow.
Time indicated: 11h37
